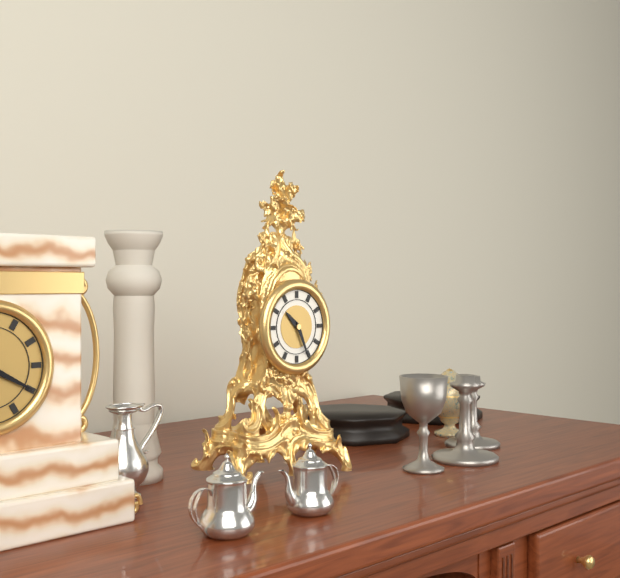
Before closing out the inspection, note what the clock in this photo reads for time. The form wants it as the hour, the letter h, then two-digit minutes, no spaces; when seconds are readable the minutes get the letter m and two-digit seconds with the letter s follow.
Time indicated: 10h26
